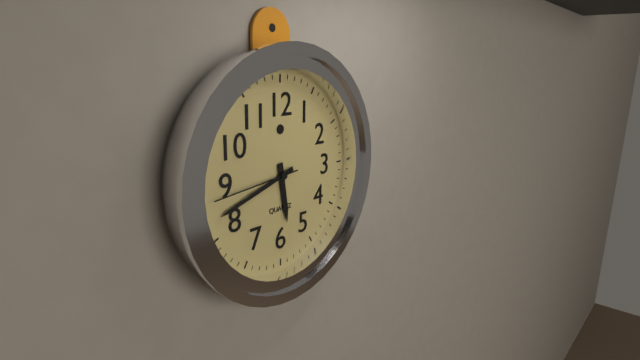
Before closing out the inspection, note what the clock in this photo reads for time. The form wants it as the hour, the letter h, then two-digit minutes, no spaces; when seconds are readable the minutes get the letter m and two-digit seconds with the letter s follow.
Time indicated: 5h42m44s
